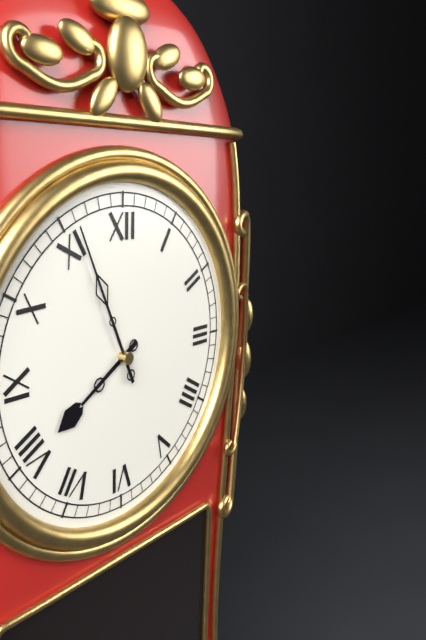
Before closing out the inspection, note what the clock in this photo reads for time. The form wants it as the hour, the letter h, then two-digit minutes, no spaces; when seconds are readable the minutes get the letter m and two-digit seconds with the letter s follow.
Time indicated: 7h56
